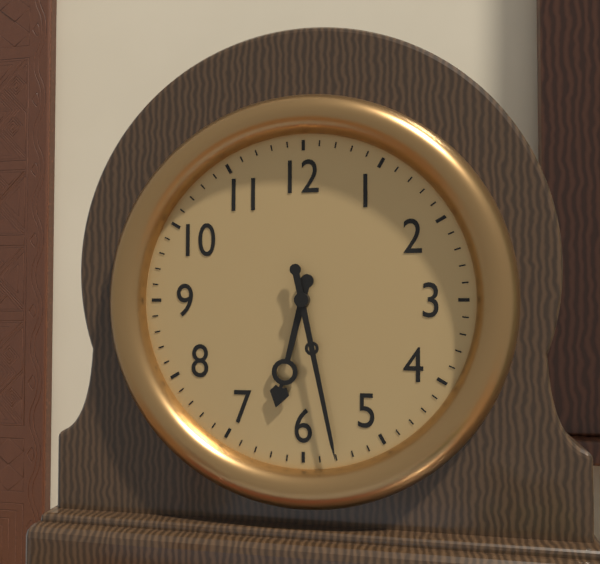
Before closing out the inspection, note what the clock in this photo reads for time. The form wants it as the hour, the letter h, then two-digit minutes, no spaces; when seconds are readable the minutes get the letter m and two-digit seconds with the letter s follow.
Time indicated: 6h28
